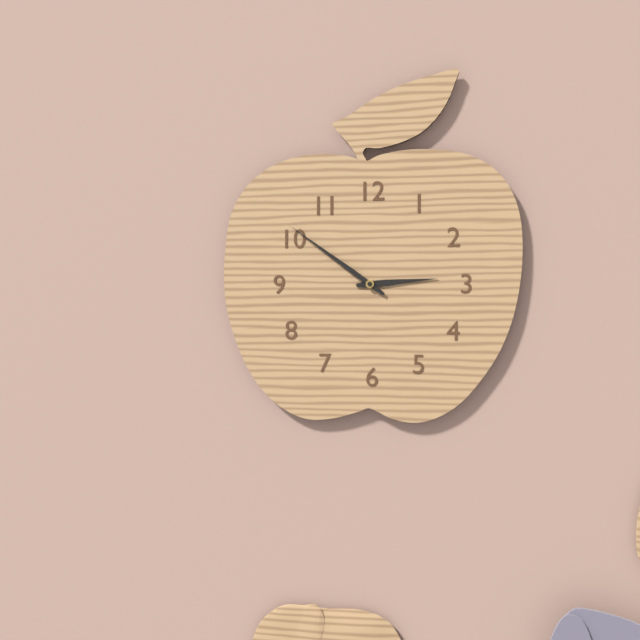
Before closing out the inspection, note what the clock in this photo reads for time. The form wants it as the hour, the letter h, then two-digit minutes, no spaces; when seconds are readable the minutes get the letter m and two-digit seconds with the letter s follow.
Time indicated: 2h51
